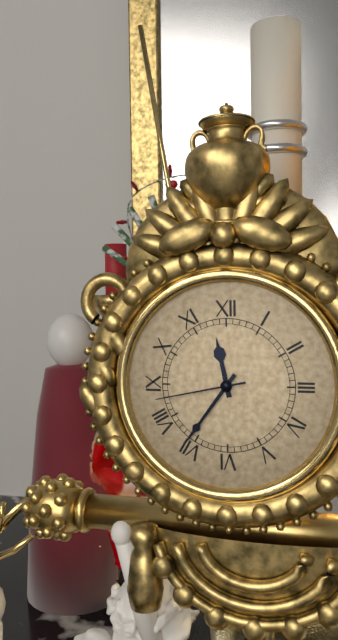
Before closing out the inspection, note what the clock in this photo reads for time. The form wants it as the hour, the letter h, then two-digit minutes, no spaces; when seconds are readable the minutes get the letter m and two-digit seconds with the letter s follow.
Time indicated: 11h36m43s
